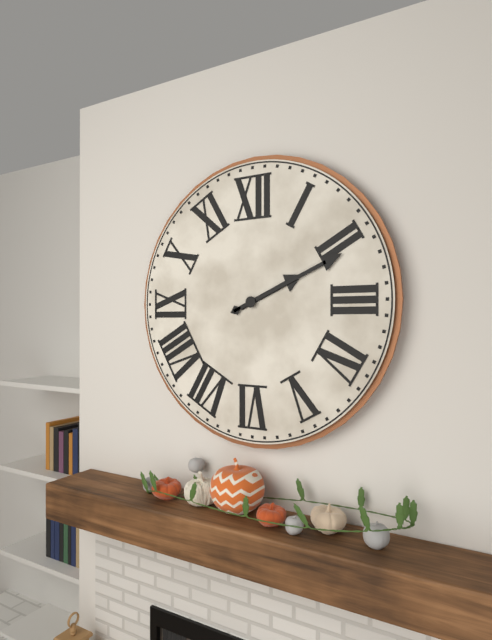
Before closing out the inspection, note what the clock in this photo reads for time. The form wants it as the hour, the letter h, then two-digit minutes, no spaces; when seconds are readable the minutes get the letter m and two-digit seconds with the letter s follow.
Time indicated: 2h11
